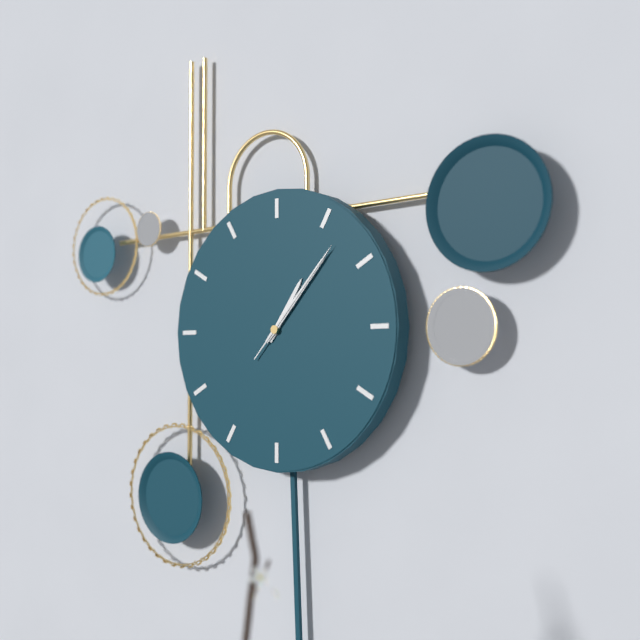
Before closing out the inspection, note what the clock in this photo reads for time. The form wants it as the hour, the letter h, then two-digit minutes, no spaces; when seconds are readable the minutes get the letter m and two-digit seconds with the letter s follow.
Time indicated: 1h07m07s
